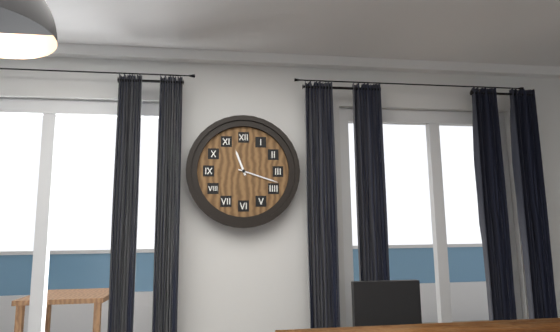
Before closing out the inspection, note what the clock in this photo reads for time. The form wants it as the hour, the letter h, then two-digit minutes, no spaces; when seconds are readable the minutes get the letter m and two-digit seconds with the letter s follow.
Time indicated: 11h18
